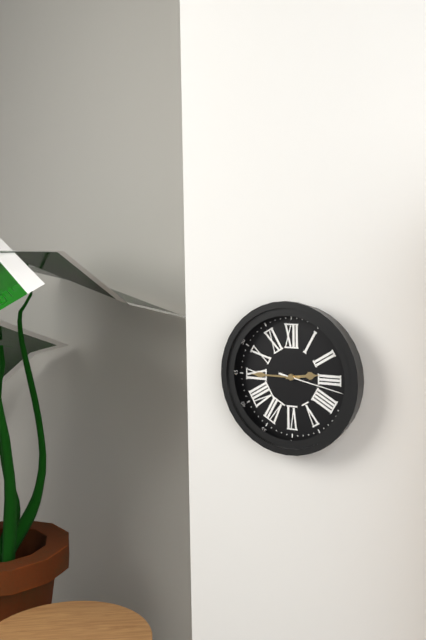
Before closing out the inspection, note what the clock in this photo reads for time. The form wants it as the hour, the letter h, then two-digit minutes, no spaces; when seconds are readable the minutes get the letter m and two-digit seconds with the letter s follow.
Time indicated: 2h45m17s
